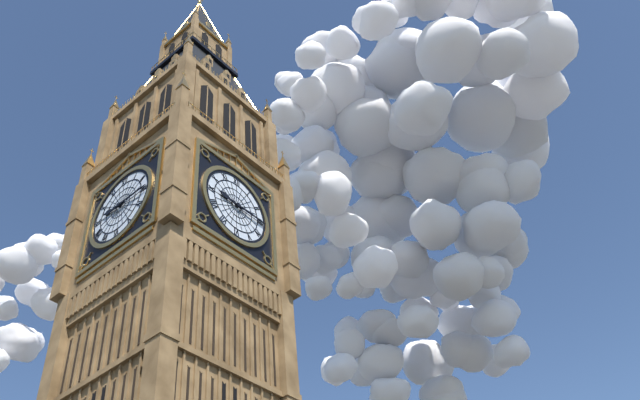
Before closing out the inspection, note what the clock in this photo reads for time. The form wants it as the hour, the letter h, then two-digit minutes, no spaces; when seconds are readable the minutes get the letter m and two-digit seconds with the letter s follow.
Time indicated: 9h15
